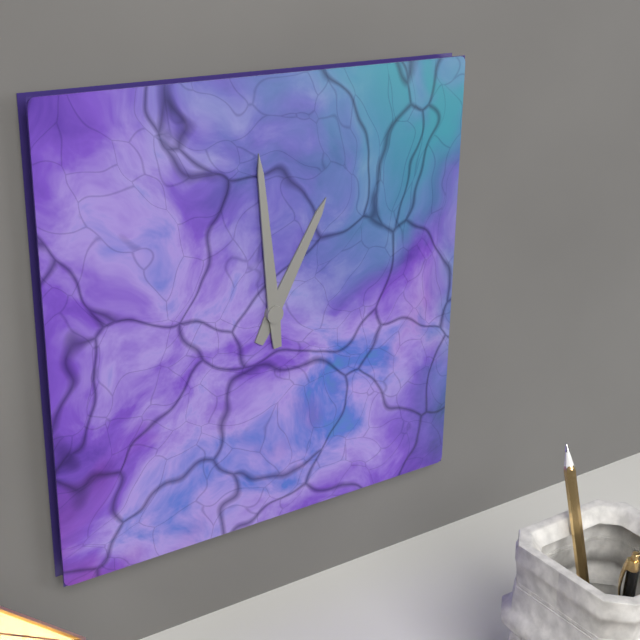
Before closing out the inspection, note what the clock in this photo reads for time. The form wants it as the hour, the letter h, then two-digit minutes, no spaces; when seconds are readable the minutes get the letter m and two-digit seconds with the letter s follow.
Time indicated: 12h59
